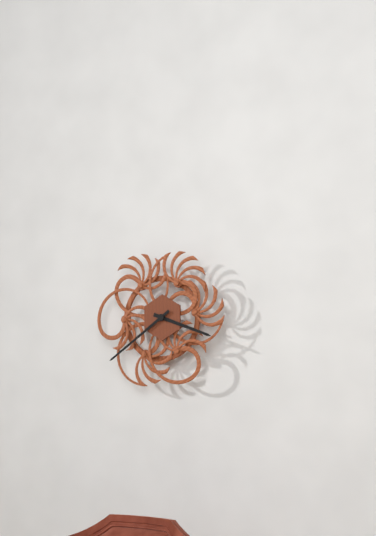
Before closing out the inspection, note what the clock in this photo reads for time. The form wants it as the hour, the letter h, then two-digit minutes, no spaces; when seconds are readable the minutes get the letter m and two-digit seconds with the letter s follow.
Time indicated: 3h39
